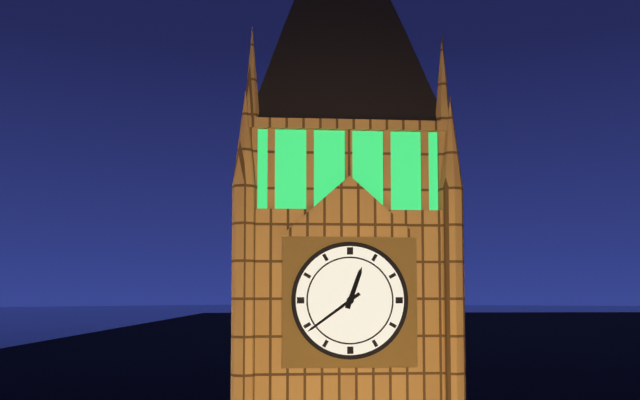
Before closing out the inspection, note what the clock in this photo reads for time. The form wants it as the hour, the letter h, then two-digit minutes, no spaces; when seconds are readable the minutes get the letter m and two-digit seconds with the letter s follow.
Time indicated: 12h39
